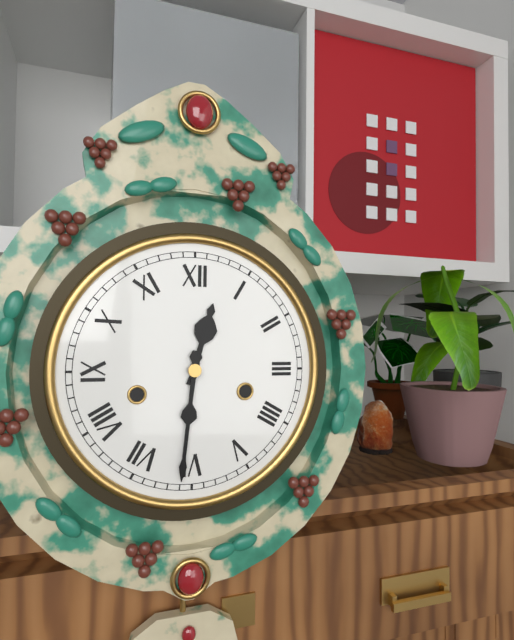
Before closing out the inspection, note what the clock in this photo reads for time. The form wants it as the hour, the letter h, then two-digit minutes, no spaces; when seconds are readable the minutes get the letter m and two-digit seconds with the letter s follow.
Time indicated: 12h31
